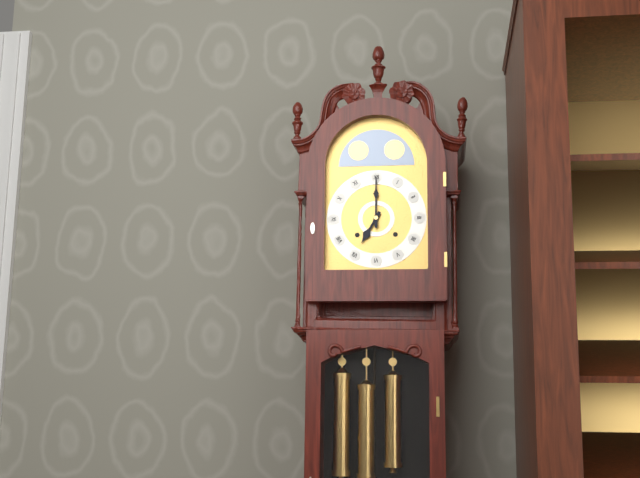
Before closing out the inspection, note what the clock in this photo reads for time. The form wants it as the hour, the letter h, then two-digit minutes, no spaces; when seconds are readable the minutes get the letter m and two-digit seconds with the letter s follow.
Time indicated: 7h00
